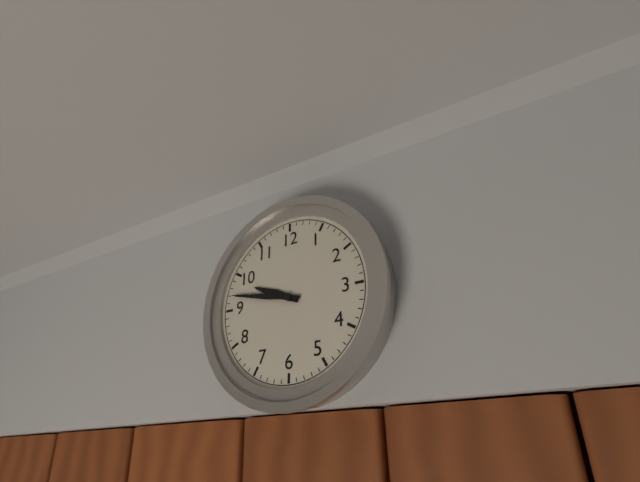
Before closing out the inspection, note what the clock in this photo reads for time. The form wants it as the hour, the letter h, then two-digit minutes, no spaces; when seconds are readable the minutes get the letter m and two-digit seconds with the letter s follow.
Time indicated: 9h47
